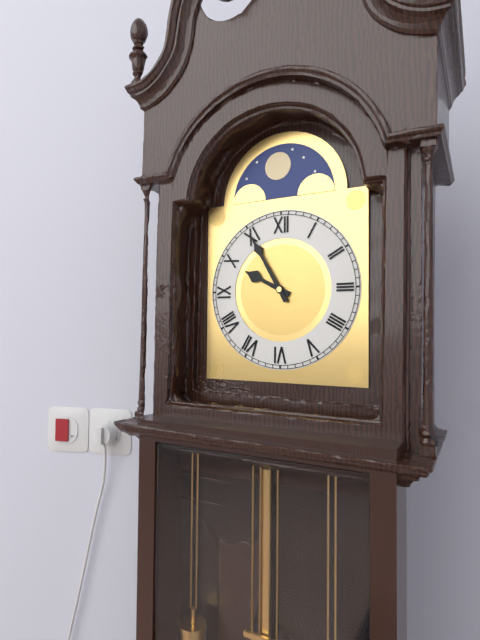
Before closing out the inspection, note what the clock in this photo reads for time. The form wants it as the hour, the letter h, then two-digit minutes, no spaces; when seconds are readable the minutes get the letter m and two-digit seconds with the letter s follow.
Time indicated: 9h55
